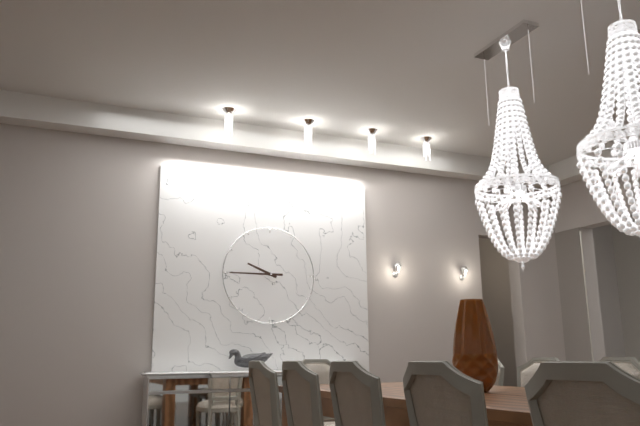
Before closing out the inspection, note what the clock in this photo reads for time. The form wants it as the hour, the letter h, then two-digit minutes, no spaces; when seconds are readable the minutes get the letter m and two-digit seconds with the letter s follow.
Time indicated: 9h45
